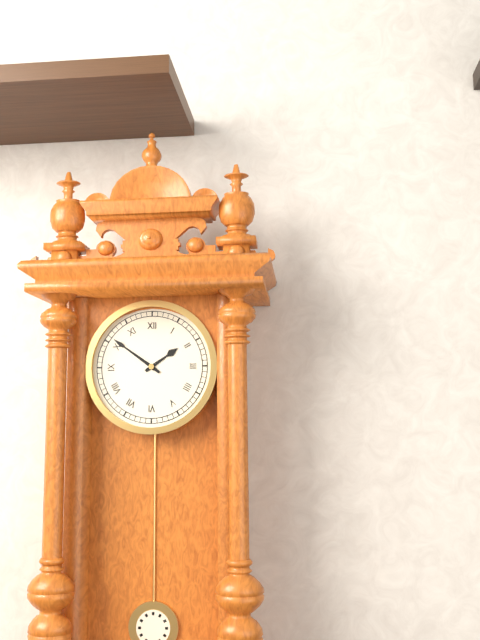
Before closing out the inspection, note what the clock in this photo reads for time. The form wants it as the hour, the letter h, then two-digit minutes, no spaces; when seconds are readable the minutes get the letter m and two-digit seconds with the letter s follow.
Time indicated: 1h51
